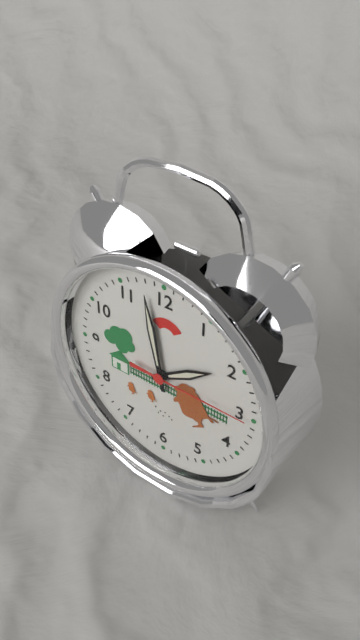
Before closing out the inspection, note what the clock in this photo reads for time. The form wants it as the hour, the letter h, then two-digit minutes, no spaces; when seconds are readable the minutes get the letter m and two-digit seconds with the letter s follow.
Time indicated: 1h58m15s
